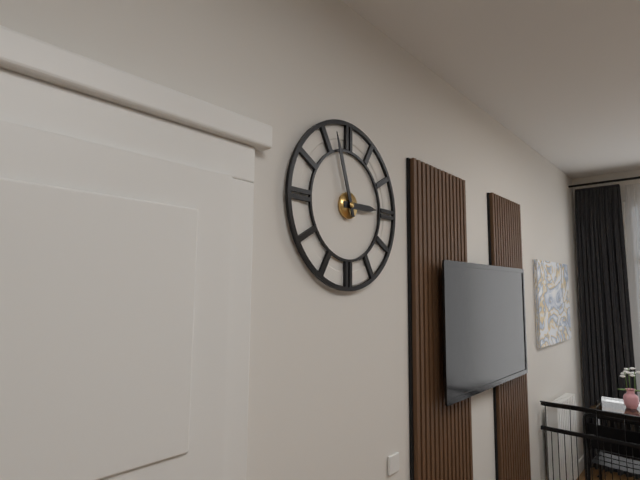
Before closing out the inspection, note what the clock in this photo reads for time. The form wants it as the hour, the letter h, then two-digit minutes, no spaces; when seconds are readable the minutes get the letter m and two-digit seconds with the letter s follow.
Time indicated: 2h57
